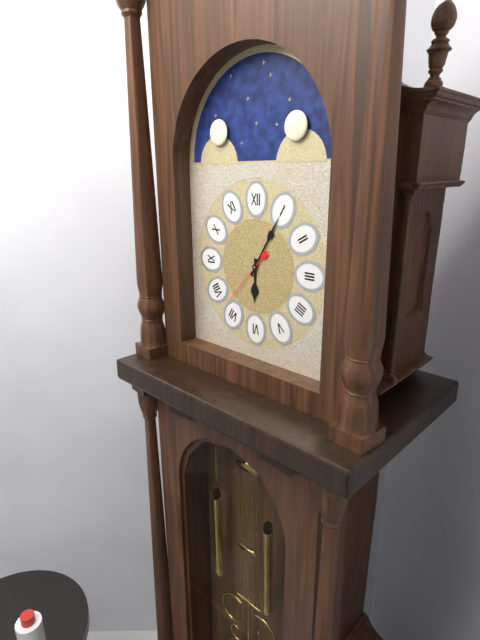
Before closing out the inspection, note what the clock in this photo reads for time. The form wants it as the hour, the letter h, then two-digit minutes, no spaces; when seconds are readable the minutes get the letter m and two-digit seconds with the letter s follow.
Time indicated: 6h05m37s
